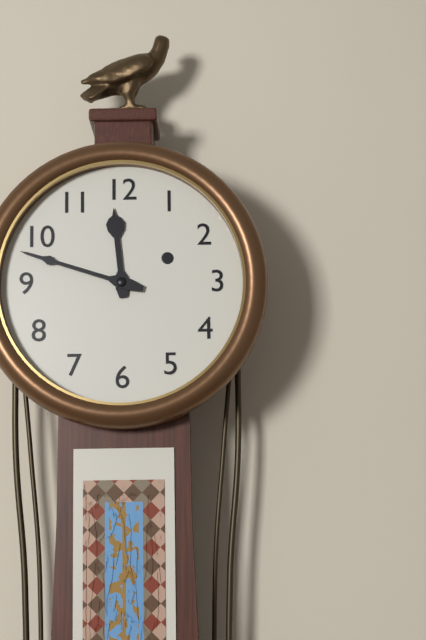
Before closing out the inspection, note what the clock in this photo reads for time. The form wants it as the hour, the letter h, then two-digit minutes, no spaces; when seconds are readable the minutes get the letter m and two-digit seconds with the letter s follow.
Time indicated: 11h48
